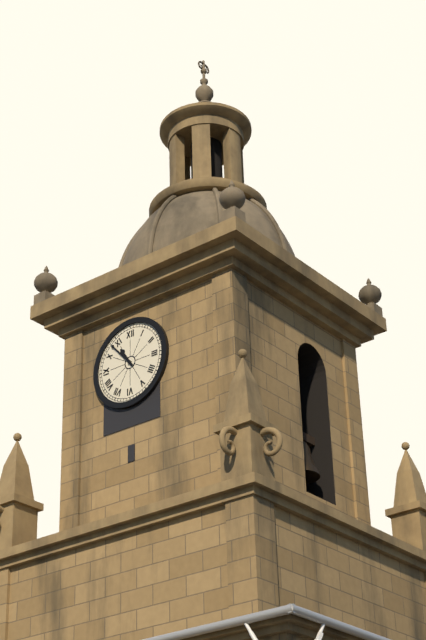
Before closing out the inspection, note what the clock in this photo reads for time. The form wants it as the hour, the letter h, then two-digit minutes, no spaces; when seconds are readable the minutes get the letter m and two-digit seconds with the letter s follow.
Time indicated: 10h53
